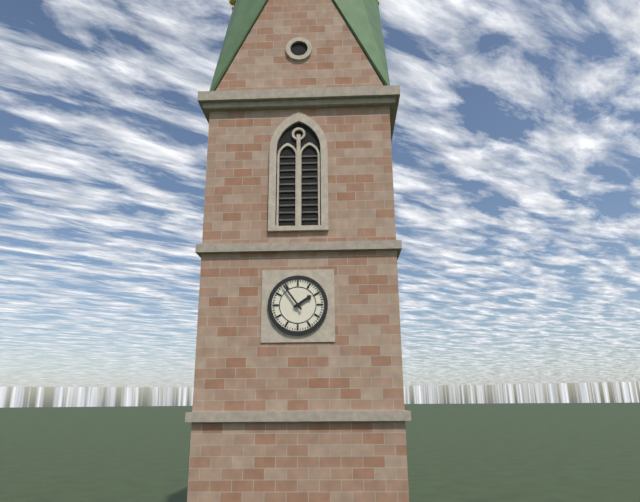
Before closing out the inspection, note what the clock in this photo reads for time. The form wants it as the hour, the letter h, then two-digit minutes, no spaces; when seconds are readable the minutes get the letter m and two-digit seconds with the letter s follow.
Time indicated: 1h54
